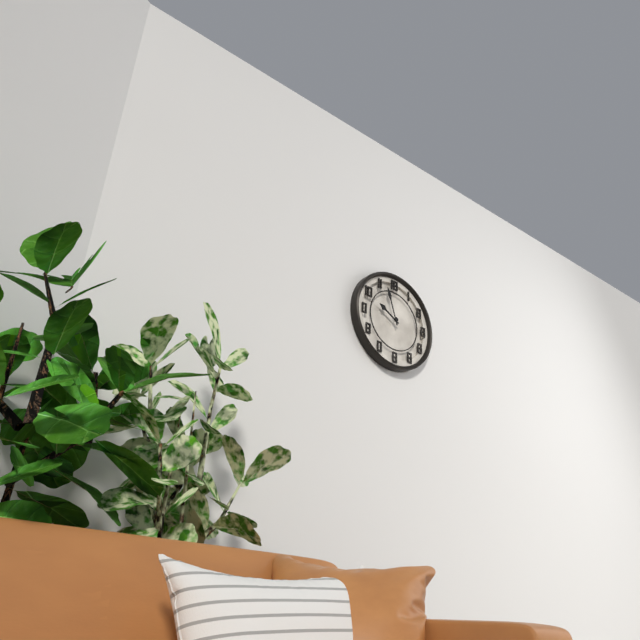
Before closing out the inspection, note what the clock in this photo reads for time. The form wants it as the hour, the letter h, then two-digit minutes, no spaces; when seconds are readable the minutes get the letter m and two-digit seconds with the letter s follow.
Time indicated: 9h57
